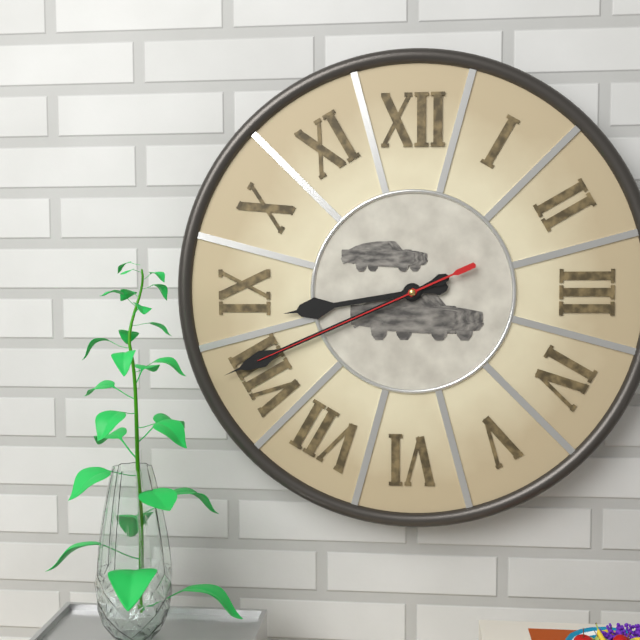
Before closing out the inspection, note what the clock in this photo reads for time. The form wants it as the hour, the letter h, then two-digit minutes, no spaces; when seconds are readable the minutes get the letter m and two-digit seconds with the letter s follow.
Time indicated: 8h41m41s
